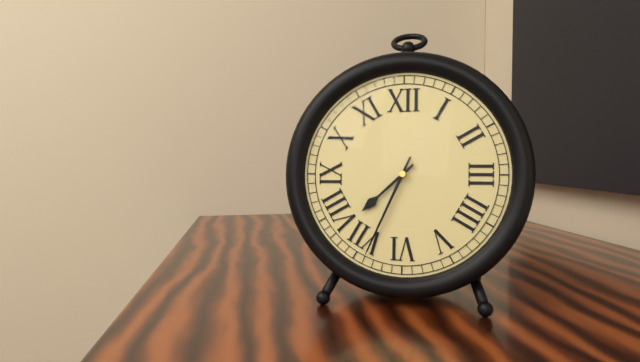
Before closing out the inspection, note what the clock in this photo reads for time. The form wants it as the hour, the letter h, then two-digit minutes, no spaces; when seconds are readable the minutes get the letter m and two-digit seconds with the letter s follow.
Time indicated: 7h34
